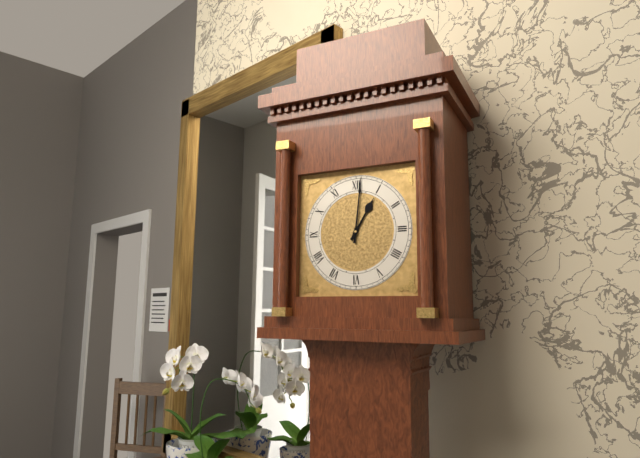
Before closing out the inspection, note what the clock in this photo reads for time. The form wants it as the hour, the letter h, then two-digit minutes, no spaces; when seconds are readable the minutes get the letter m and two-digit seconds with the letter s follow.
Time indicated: 1h01
